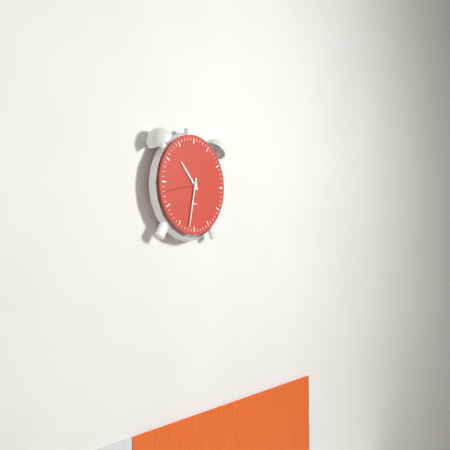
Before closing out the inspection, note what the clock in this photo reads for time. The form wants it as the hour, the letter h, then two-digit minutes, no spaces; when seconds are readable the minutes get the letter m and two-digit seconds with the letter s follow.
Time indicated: 10h32
